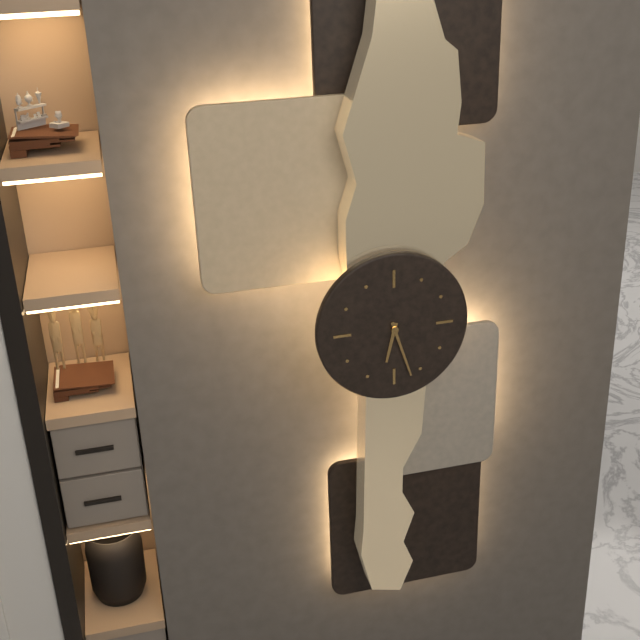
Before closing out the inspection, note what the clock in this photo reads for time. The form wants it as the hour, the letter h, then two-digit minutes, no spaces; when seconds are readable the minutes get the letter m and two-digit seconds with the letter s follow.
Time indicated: 6h27
